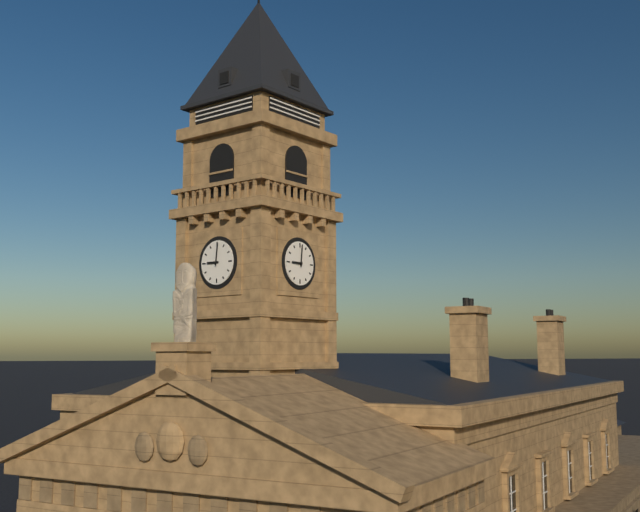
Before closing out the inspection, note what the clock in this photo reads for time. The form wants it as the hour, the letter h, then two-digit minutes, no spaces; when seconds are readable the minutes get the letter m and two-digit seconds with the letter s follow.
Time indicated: 9h01
